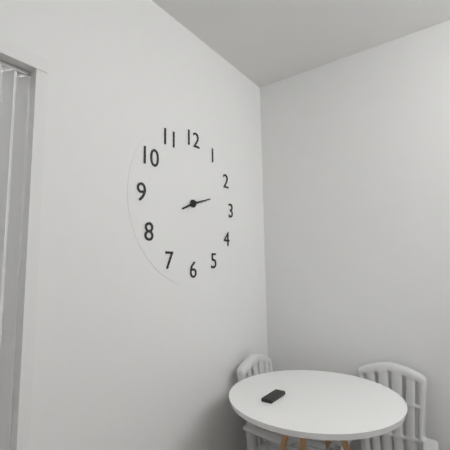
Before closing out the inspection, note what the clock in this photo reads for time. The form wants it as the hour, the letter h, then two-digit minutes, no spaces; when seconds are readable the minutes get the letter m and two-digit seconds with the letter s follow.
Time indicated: 8h12
